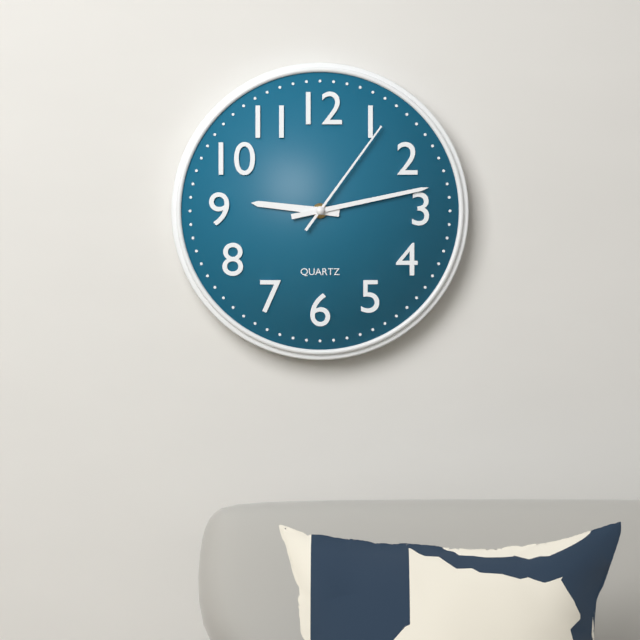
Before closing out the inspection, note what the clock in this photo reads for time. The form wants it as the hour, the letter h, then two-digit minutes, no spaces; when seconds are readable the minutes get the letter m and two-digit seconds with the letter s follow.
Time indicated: 9h13m06s
